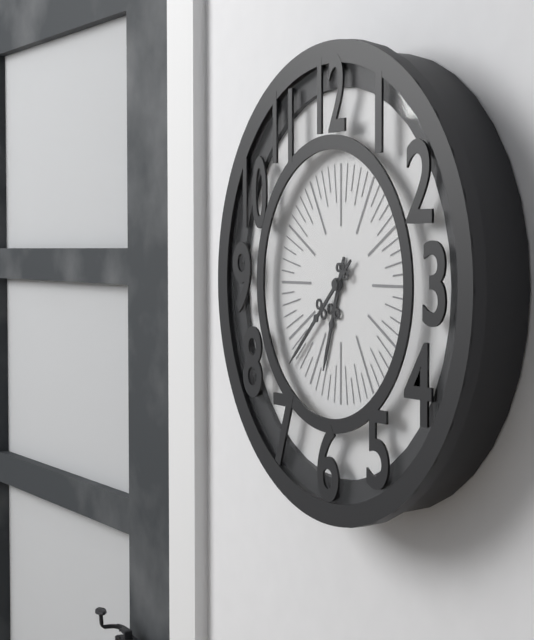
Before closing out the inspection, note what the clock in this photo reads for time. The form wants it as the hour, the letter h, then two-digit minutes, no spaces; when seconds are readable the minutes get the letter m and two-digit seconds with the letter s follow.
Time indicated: 6h38
